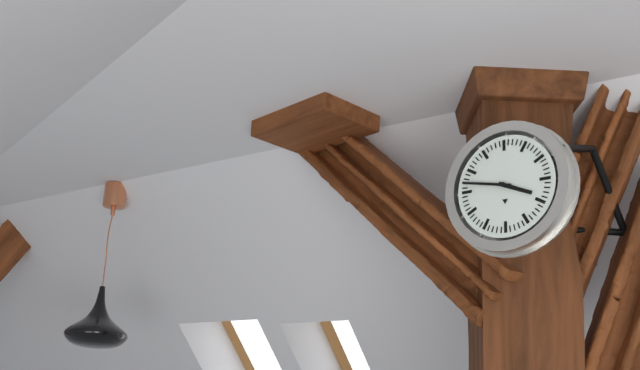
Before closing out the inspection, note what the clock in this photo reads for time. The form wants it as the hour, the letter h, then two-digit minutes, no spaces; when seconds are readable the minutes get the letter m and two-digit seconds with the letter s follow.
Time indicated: 3h47
